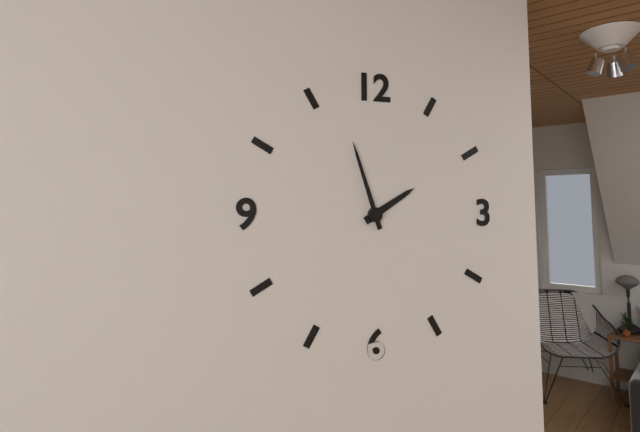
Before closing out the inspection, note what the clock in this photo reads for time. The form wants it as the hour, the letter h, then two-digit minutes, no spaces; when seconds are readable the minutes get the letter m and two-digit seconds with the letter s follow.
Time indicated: 1h57
